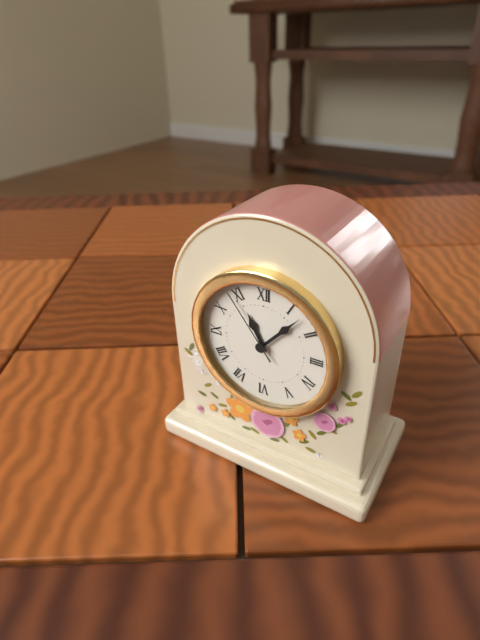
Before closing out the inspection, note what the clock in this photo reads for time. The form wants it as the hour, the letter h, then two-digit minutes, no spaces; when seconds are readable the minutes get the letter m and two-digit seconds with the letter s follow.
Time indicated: 11h07m54s
